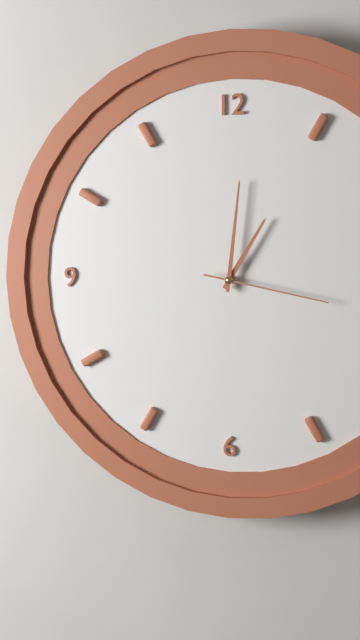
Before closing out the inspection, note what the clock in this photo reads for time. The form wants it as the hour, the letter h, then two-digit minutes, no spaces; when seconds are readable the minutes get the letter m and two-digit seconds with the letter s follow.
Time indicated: 1h01m17s
